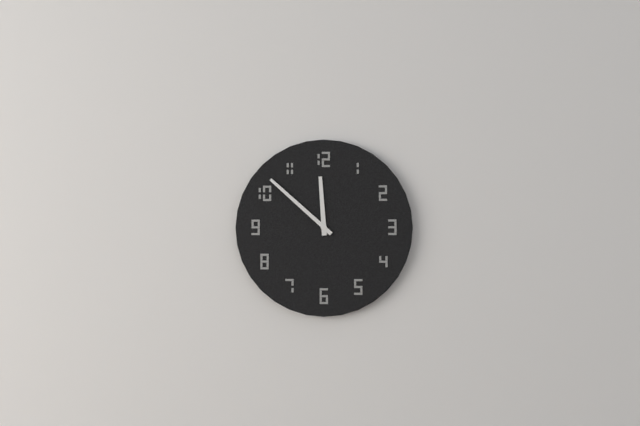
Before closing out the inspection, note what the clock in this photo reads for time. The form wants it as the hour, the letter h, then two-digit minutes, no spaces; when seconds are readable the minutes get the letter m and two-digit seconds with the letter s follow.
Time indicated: 11h52
